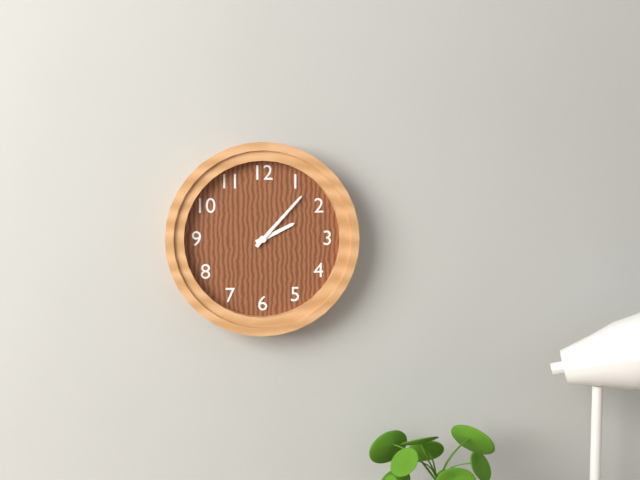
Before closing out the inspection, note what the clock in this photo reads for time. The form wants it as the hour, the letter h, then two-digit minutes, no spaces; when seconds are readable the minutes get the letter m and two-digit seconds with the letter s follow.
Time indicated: 2h07
